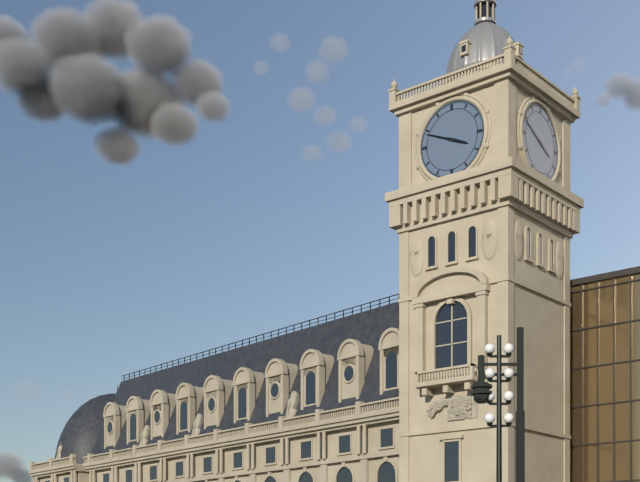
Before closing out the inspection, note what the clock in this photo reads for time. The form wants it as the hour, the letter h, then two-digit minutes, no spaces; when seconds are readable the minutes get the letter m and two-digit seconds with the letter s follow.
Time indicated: 3h49
